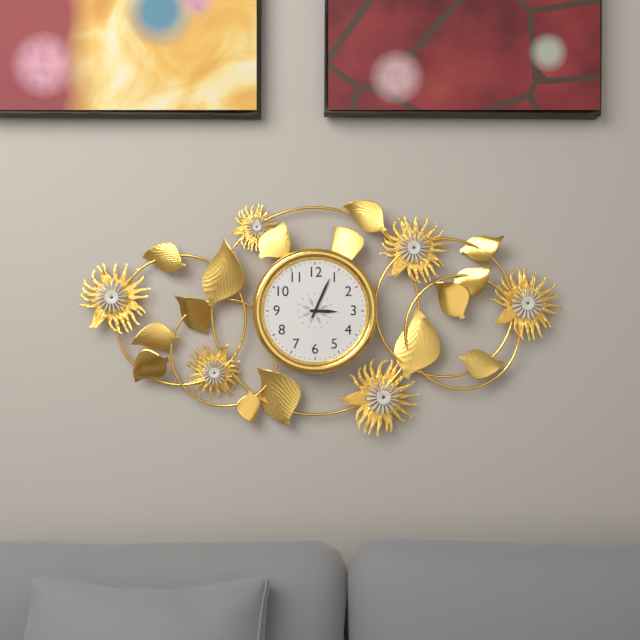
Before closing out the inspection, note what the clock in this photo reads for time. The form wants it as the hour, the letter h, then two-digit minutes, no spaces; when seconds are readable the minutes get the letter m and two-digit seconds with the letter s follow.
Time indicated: 3h04
